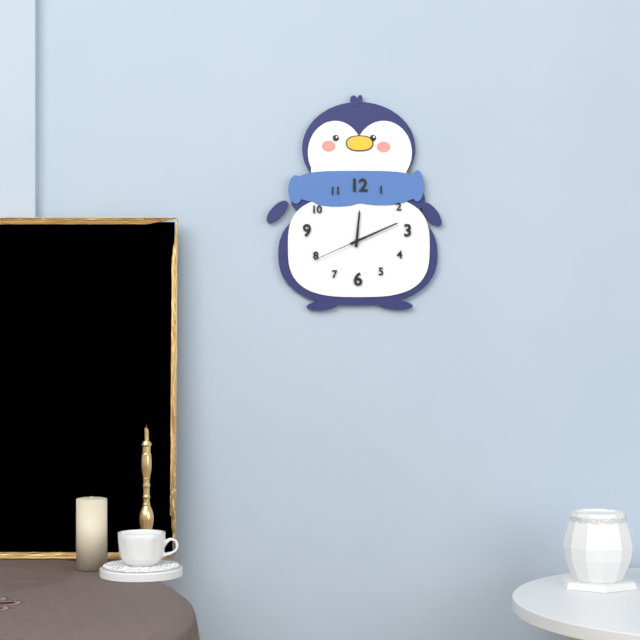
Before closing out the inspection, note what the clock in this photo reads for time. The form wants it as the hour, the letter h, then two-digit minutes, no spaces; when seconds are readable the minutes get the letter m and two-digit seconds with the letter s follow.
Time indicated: 12h11m41s
